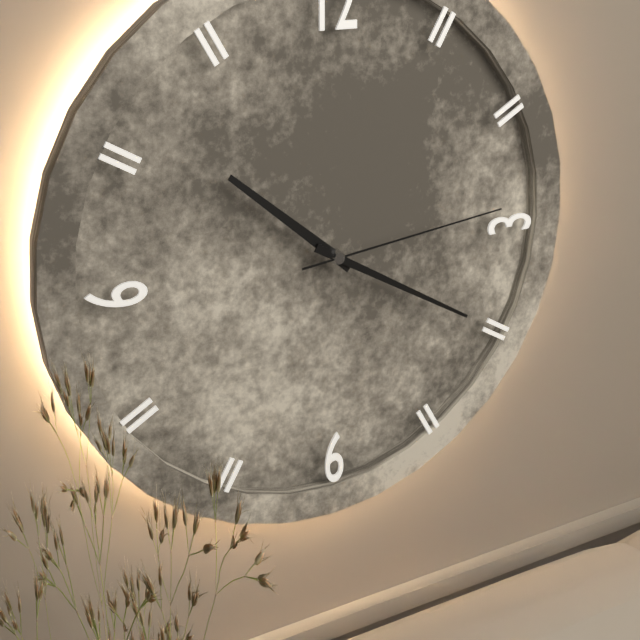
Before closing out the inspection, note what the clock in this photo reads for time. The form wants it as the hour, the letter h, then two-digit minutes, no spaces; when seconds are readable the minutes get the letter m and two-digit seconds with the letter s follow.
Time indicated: 10h20m14s
